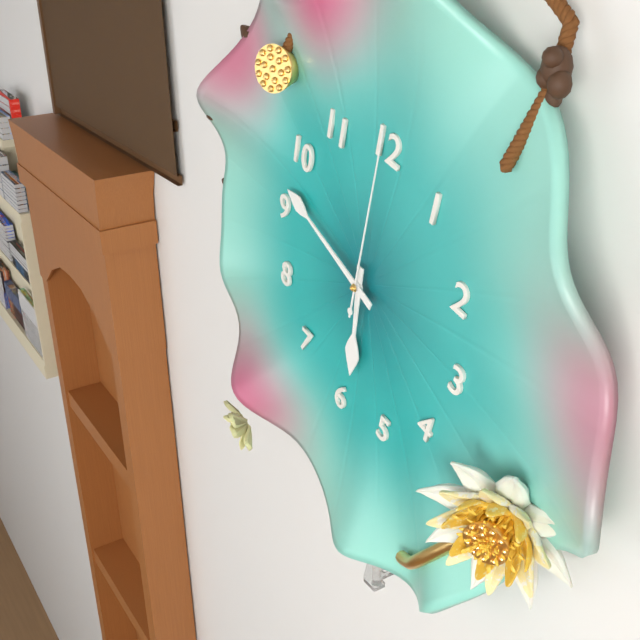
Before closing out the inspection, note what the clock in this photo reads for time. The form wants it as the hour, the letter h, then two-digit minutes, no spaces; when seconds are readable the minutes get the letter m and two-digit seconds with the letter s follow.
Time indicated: 5h47m00s
